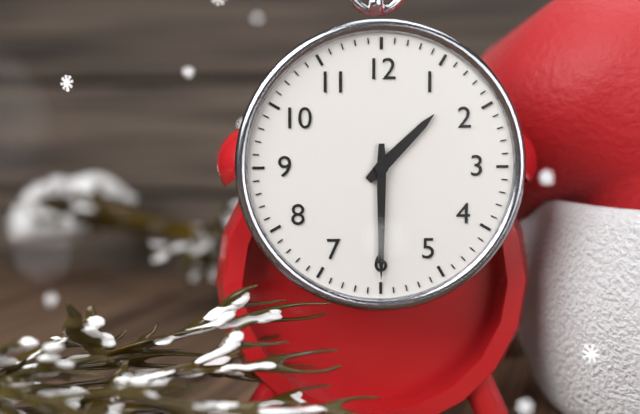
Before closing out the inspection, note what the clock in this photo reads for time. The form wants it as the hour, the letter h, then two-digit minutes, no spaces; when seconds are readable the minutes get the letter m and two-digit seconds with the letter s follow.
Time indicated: 1h30
